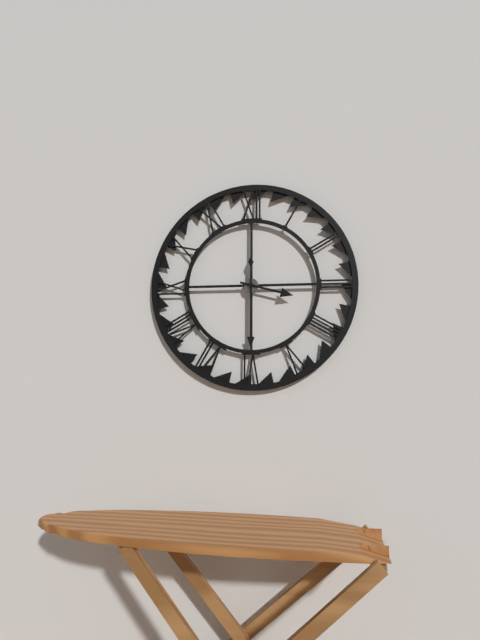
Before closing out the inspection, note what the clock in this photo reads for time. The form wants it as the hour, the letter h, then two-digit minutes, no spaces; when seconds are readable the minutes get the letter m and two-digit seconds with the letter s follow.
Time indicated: 3h30
